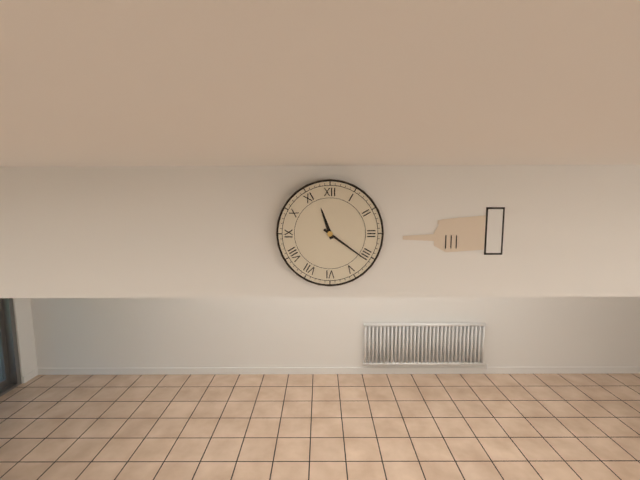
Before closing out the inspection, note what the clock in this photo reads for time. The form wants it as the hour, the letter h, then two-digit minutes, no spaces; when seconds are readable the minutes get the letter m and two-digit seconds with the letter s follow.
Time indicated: 11h21
